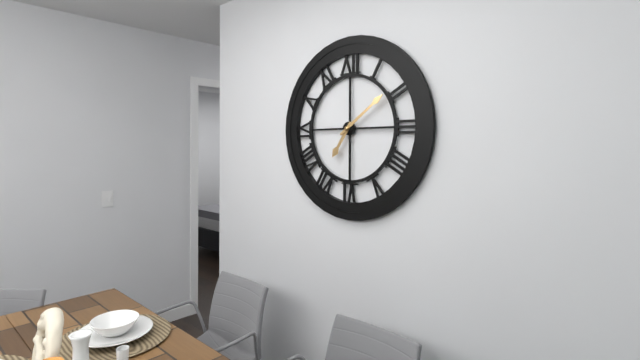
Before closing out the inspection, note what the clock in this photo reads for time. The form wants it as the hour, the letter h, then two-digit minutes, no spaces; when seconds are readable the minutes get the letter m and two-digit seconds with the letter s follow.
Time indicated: 7h09
